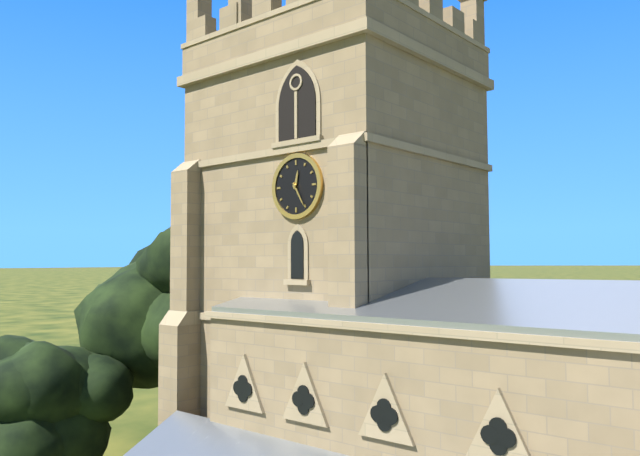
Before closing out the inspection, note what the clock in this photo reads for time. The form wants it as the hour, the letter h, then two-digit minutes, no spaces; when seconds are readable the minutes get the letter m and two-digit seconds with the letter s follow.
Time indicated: 12h25
